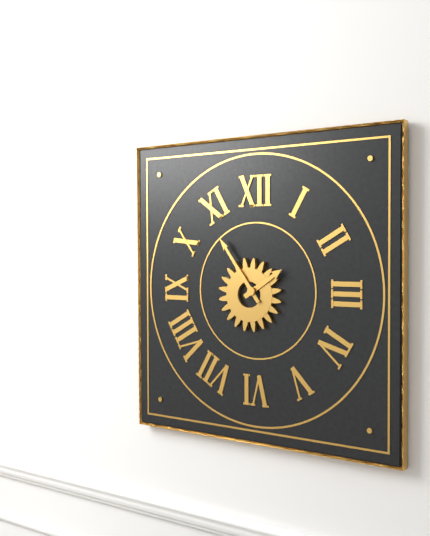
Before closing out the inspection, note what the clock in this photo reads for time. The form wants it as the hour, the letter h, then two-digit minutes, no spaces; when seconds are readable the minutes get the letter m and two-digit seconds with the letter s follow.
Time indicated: 1h54
